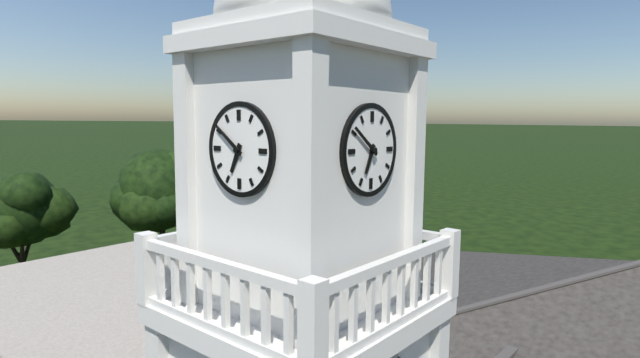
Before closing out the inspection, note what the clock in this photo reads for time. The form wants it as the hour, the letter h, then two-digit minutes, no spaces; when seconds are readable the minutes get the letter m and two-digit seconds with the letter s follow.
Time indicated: 6h51
